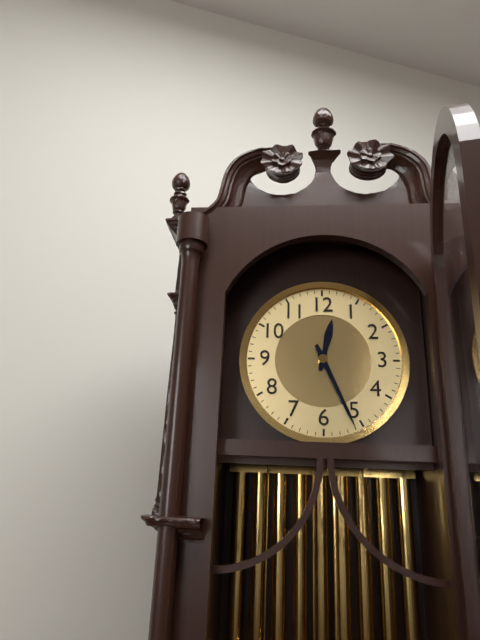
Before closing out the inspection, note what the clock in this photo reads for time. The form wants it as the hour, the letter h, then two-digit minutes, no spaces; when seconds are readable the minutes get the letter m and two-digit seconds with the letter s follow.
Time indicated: 12h26
